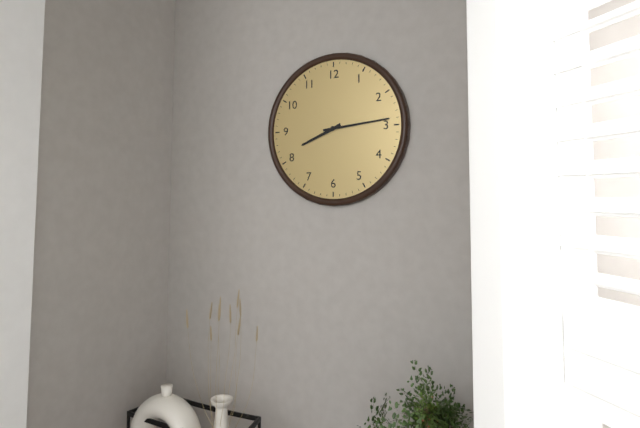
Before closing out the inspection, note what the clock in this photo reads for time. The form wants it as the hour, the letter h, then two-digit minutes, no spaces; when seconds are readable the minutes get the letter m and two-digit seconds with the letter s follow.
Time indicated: 8h14
